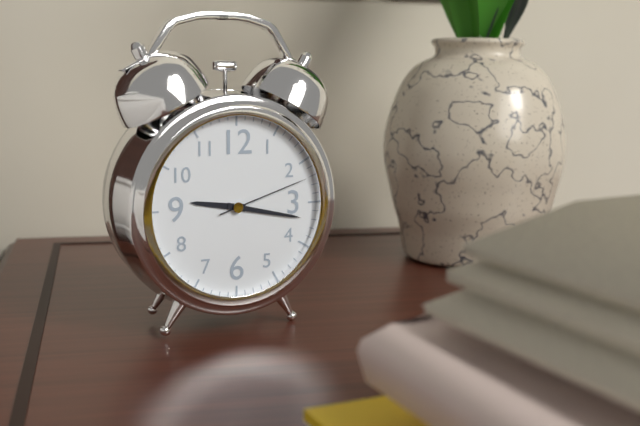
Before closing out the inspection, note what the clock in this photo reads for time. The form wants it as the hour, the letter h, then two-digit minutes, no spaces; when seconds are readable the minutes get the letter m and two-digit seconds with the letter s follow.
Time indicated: 9h17m12s
